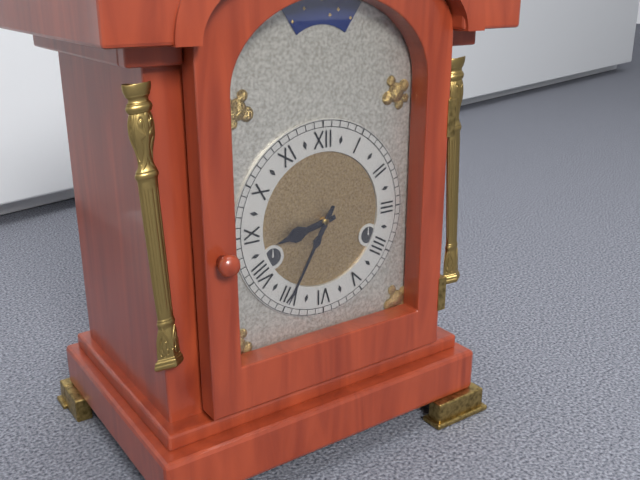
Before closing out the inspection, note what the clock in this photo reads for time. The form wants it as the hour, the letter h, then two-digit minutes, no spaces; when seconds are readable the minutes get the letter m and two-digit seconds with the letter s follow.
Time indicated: 8h35
